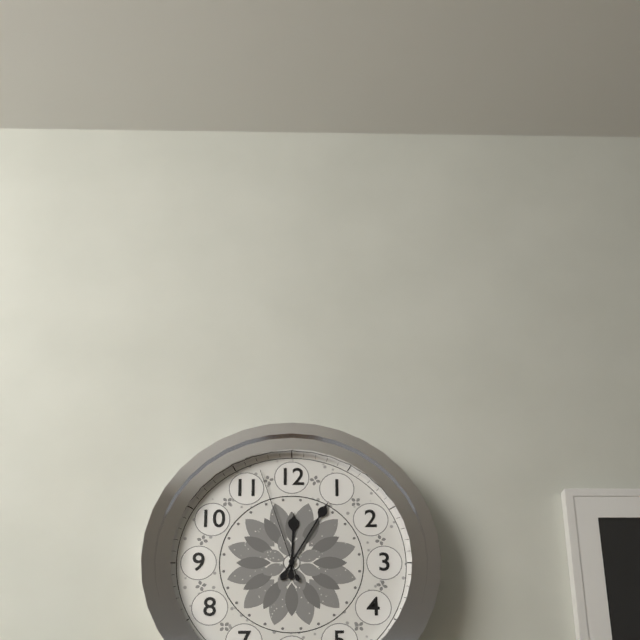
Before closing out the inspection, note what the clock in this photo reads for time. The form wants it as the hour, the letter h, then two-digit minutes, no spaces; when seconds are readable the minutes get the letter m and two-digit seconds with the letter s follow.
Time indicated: 12h05m57s
